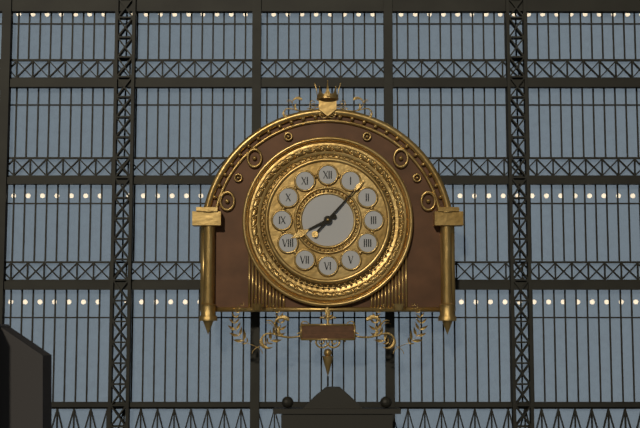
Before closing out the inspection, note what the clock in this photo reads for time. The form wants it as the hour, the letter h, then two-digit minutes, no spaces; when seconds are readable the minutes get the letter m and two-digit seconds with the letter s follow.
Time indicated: 8h07
